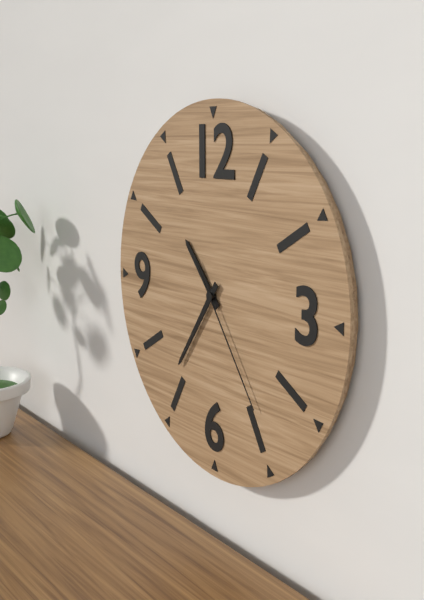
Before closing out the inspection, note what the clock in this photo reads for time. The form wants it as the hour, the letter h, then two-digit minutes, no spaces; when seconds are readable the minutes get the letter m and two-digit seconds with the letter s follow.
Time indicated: 10h36m24s
